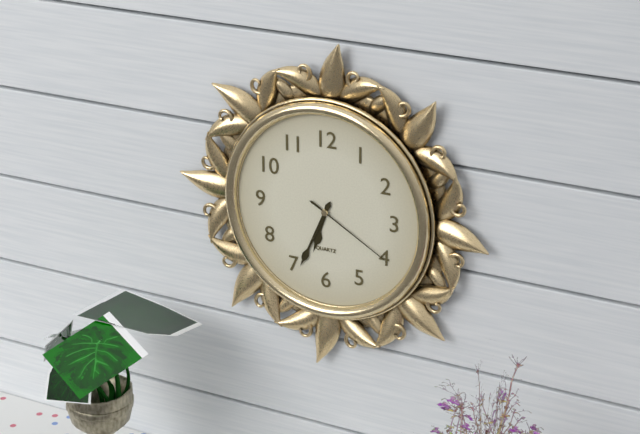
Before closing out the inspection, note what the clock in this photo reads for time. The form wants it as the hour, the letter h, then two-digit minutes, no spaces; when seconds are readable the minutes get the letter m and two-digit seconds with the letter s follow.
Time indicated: 6h34m20s
